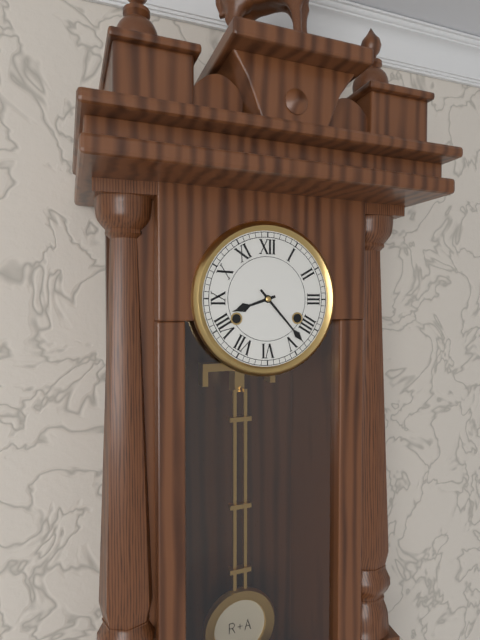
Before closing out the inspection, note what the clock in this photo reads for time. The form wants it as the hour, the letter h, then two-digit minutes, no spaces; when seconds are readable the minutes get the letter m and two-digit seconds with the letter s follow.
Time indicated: 8h23
